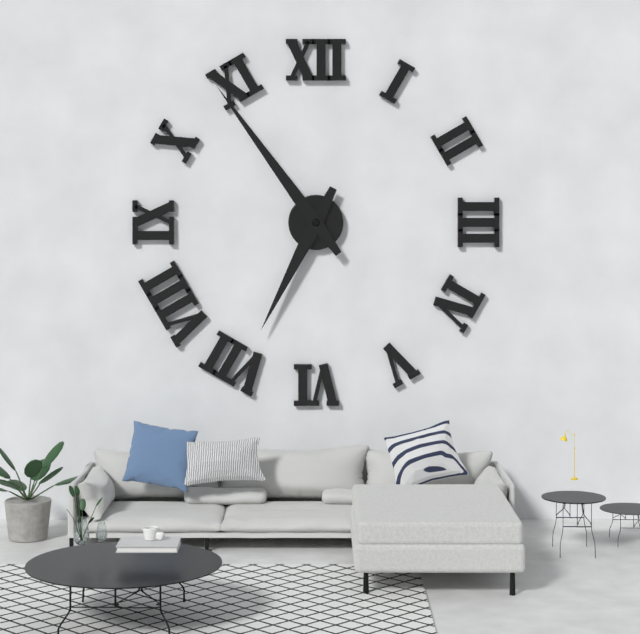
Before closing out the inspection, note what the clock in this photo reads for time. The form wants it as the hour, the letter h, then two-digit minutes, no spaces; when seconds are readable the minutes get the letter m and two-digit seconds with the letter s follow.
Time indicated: 6h54
